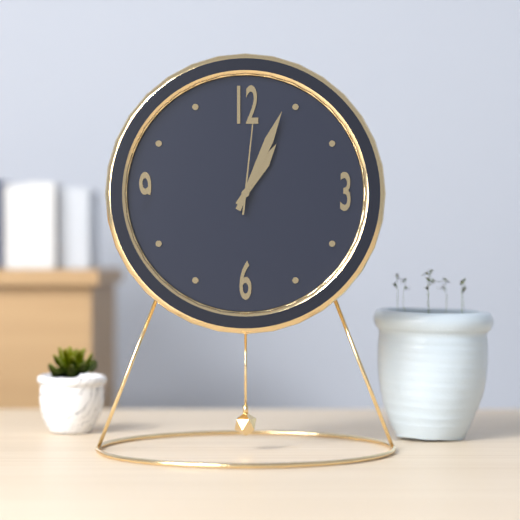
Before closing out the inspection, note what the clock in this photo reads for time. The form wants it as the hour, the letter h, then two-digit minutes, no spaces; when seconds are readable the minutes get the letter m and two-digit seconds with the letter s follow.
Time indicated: 1h04m01s
